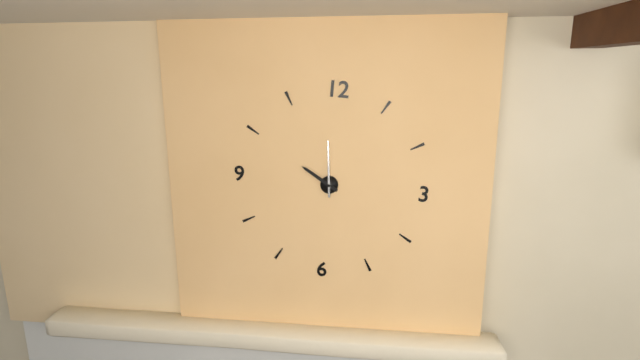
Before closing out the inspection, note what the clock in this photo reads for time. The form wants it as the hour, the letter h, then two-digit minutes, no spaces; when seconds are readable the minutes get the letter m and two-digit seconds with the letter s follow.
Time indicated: 9h59
